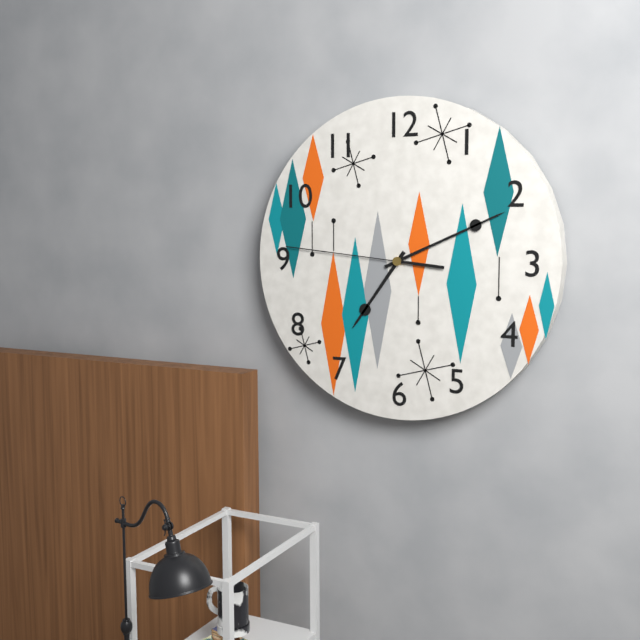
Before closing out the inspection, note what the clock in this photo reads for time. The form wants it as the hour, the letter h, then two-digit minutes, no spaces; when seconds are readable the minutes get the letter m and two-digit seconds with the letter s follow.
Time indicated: 7h11m46s
